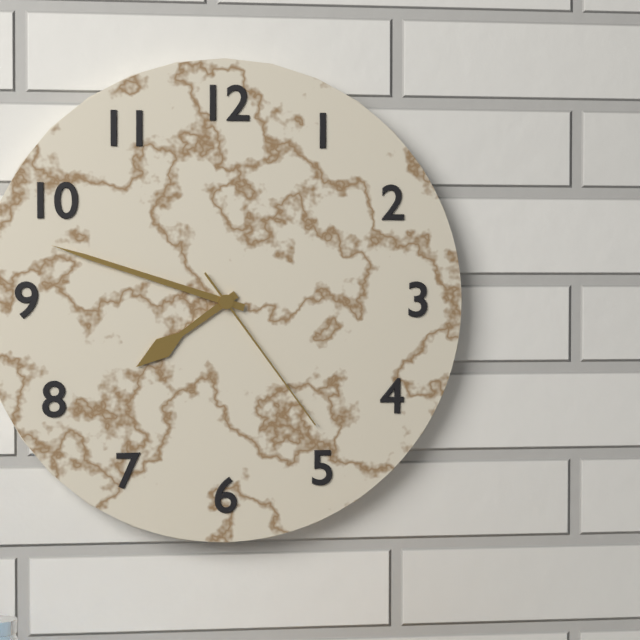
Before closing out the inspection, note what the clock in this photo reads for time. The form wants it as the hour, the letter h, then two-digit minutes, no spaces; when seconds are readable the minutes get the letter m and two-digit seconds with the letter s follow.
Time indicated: 7h48m24s
